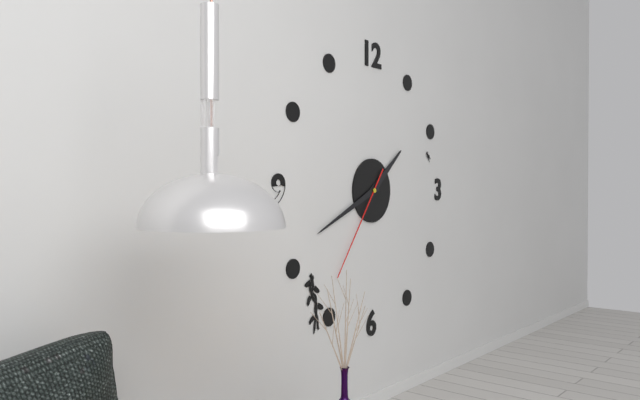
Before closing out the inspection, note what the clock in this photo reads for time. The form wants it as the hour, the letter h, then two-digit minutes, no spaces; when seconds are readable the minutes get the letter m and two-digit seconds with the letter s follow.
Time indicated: 1h41m36s
